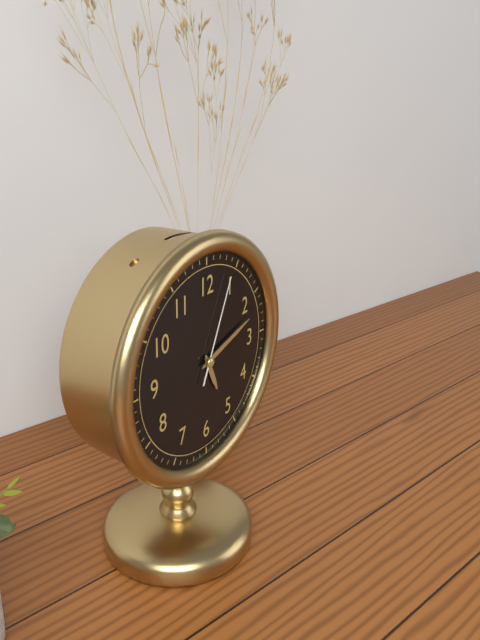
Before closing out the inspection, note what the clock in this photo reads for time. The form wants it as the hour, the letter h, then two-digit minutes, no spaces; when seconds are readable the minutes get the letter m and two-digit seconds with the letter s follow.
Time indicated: 5h12m04s
